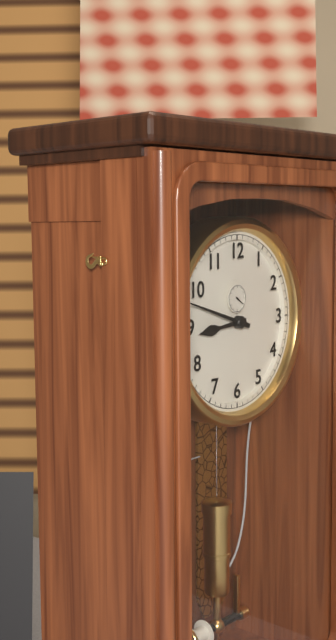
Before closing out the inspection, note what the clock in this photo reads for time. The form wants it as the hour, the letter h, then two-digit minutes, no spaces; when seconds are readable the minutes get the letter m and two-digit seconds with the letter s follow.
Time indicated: 8h48
